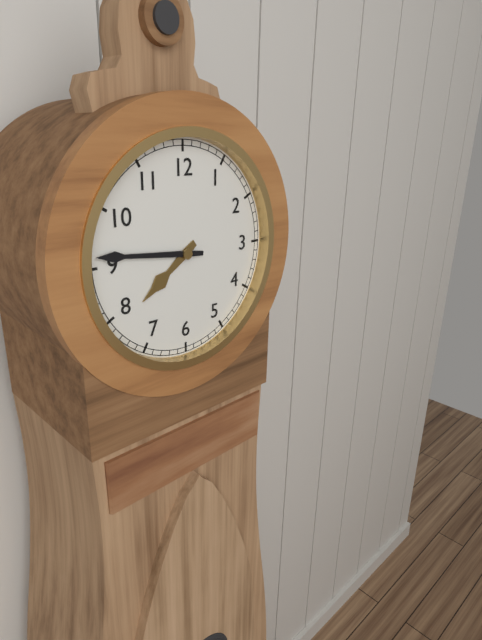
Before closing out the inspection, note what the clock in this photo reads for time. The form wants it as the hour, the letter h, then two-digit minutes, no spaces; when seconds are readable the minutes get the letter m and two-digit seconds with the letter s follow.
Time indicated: 7h46
